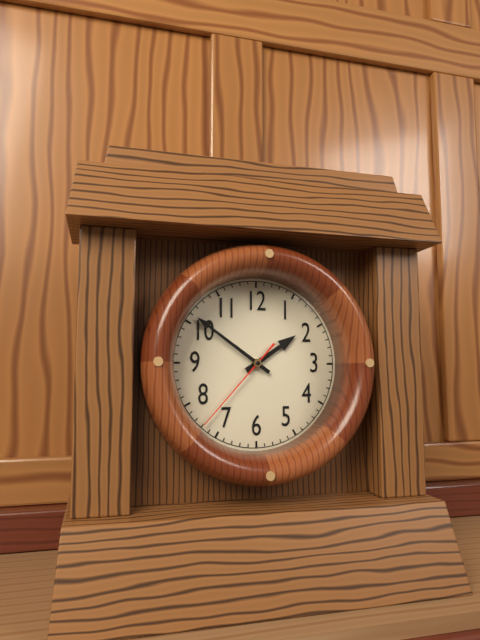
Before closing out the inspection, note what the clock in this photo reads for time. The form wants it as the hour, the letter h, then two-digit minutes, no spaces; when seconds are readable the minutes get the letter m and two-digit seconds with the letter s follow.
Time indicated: 1h51m37s
